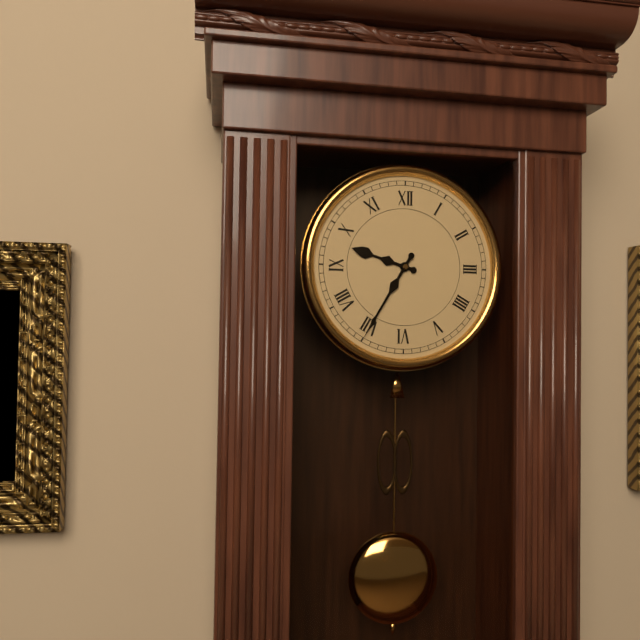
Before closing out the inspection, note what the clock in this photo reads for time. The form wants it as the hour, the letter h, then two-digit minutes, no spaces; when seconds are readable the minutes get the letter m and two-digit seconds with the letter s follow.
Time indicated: 9h35
